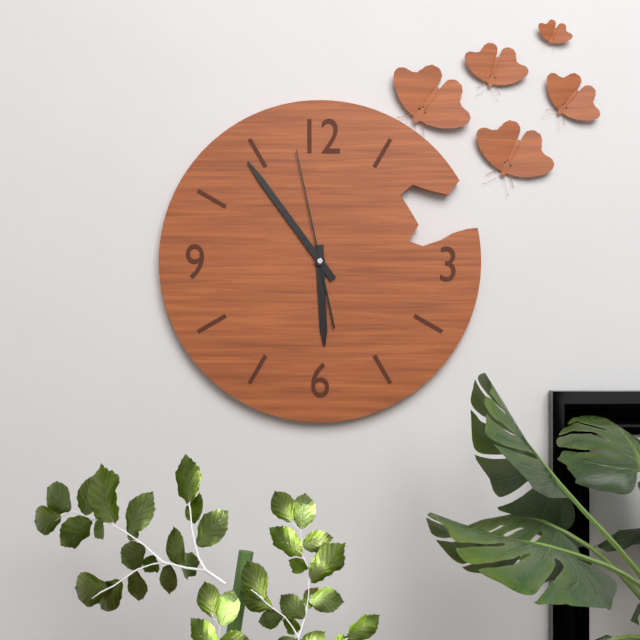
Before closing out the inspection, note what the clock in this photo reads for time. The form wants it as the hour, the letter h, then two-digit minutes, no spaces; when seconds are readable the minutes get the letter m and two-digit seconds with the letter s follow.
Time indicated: 5h54m58s
